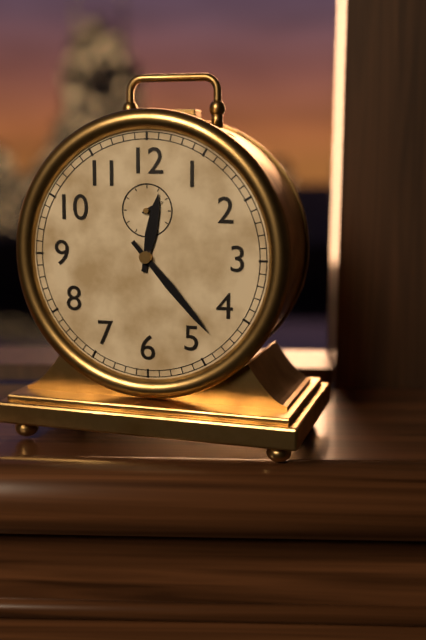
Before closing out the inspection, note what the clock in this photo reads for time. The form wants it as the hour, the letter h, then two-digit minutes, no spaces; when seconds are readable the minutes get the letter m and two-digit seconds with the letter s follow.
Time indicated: 12h23
